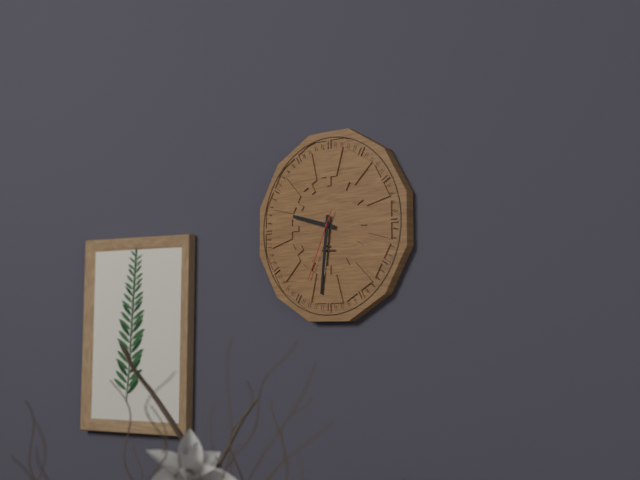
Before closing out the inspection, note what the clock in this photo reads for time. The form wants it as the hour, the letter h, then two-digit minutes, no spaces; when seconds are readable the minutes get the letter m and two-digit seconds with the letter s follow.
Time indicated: 9h31m34s
